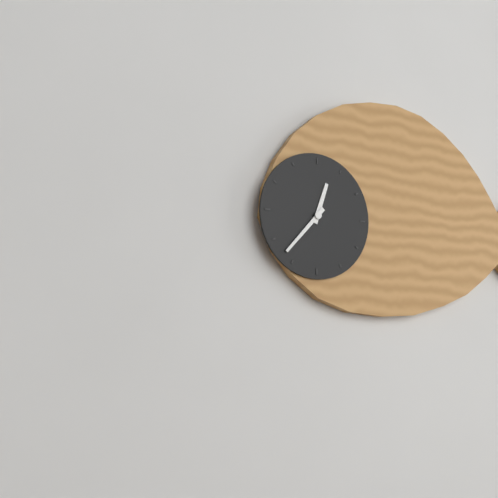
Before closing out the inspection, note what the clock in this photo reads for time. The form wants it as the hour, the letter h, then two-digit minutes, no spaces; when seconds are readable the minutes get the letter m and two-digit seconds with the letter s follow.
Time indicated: 12h37
